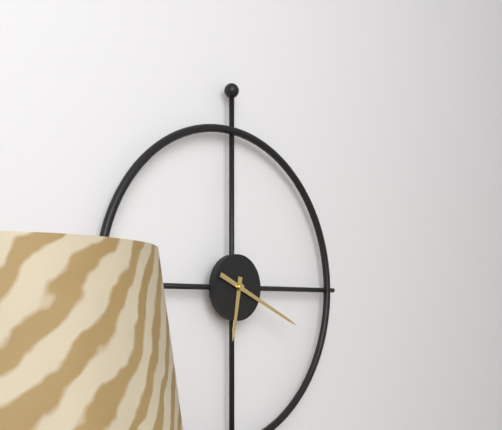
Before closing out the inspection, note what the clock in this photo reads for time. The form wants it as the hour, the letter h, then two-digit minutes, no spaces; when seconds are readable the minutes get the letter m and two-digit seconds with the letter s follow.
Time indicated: 6h19
